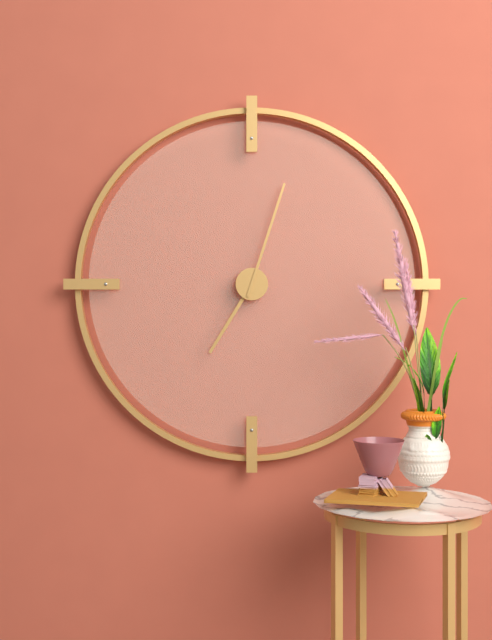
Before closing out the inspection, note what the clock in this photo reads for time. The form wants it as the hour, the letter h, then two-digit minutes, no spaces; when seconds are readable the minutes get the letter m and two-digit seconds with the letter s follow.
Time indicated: 7h03
